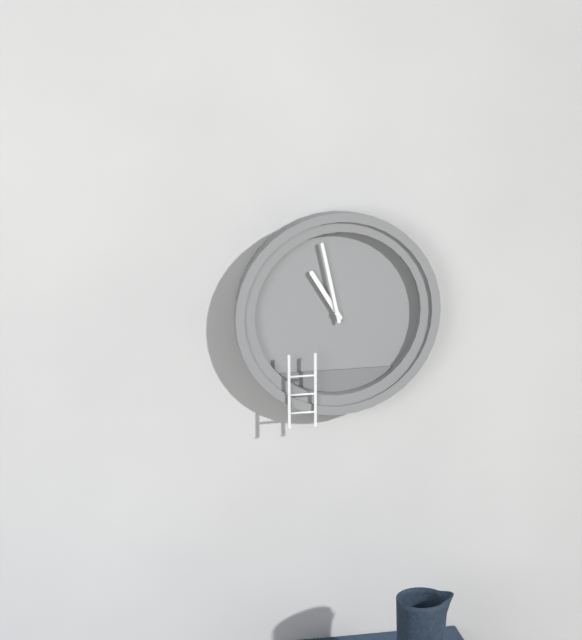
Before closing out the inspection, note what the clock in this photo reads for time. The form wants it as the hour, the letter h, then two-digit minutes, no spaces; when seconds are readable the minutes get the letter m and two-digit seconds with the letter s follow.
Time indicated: 10h58
